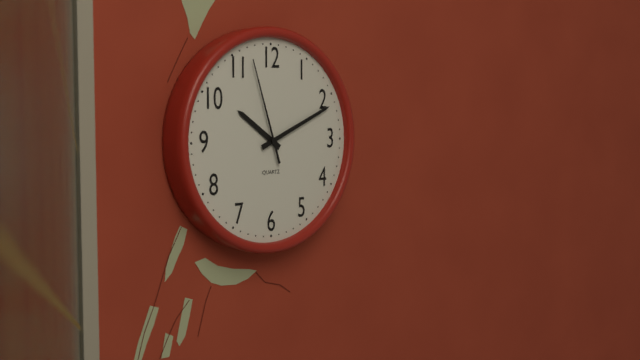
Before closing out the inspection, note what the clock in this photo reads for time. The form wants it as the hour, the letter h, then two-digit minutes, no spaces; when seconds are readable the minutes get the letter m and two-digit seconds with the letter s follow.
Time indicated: 10h11m57s
